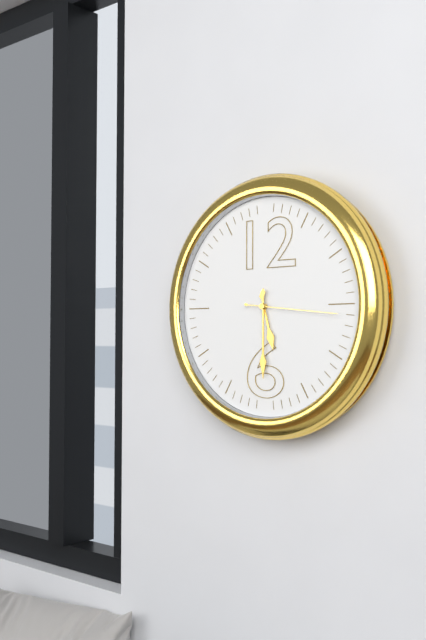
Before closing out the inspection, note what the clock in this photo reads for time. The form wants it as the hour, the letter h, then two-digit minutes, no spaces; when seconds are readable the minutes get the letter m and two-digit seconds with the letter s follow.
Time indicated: 5h30m16s
